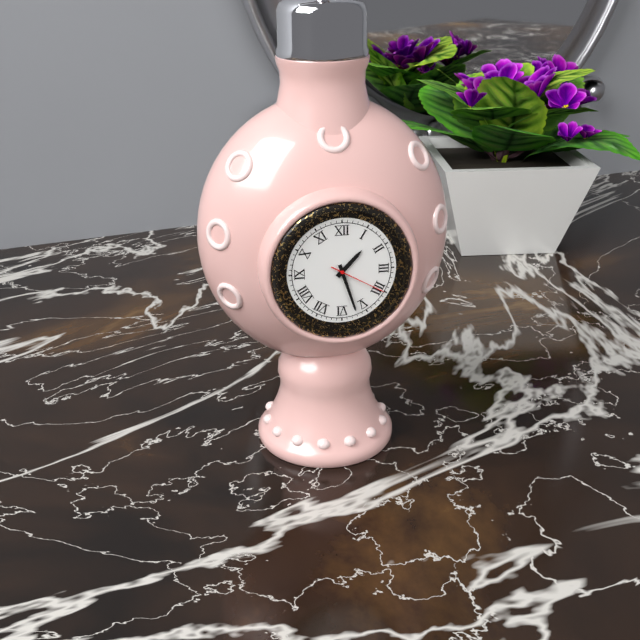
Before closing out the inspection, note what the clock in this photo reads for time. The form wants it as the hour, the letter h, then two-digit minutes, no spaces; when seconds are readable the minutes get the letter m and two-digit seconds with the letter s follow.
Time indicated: 1h27m20s
